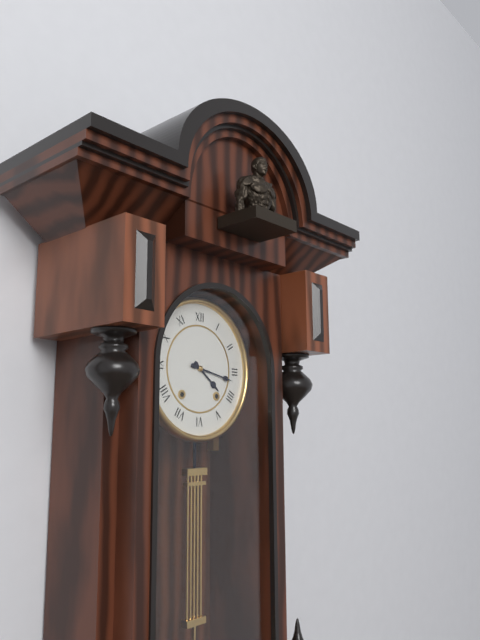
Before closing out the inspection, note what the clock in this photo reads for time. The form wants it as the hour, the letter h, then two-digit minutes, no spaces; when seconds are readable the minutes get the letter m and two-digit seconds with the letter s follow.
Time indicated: 4h17
